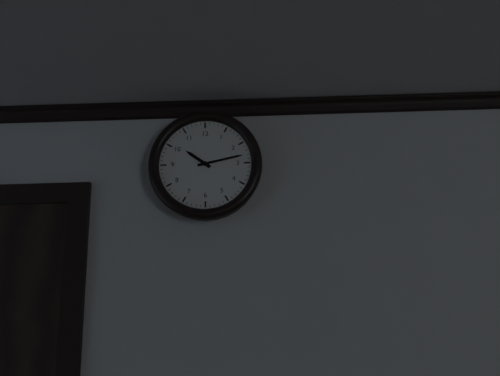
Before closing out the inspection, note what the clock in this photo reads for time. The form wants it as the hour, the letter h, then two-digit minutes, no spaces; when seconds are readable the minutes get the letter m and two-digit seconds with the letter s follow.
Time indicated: 10h13
